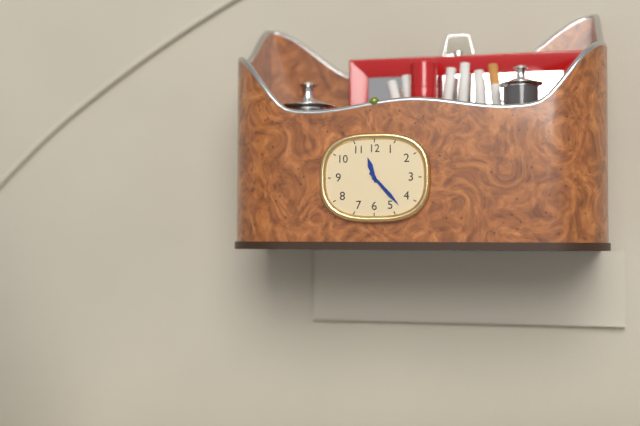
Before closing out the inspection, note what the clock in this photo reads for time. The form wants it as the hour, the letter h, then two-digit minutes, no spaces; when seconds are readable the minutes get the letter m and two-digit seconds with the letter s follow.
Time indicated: 11h23
